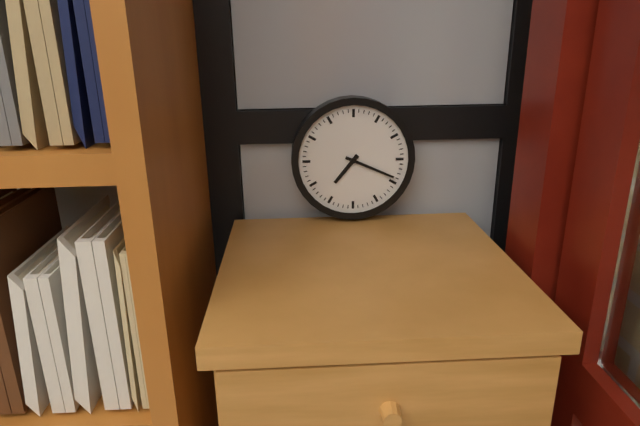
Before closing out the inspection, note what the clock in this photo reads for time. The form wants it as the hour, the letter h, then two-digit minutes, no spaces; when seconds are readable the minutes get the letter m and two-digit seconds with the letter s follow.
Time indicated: 7h19
